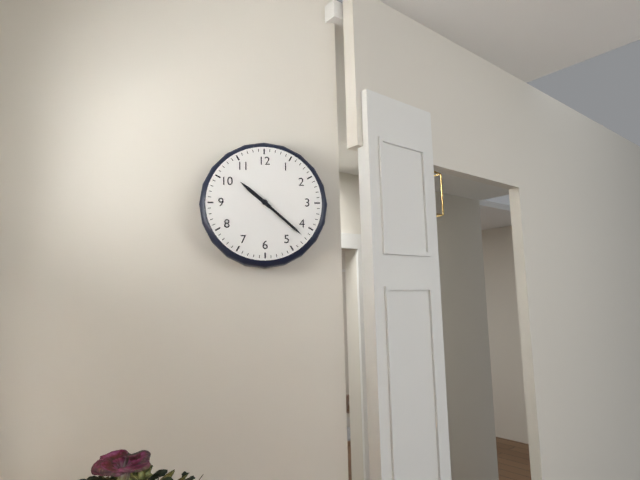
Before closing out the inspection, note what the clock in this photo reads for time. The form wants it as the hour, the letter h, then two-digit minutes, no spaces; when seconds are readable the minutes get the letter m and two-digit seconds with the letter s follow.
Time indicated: 10h22
